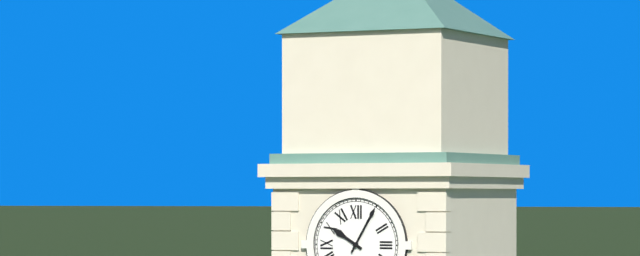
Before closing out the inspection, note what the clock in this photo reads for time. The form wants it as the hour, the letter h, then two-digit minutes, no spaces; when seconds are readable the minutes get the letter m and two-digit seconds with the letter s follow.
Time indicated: 10h05
